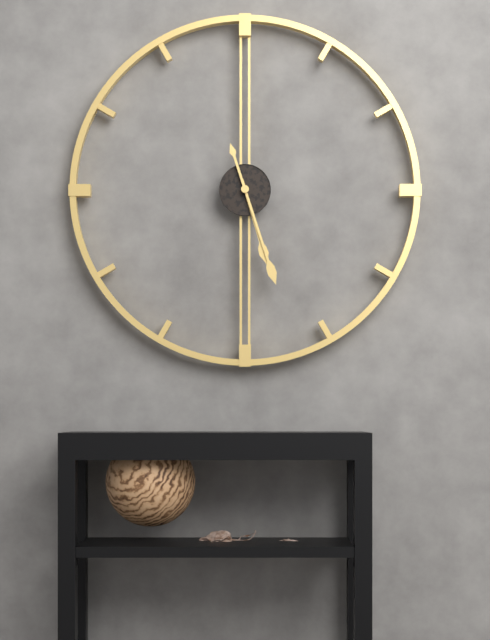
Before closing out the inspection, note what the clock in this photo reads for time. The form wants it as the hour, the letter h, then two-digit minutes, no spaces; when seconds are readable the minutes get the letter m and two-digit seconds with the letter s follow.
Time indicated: 5h27
